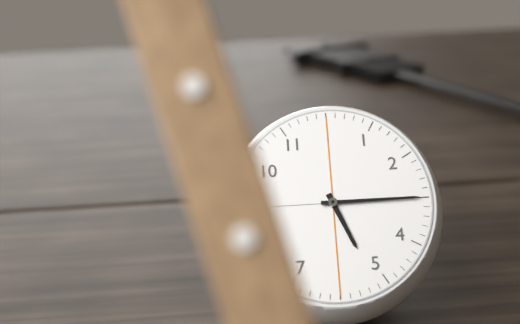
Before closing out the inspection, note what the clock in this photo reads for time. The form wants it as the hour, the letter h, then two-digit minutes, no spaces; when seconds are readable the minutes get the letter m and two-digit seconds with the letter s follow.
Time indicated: 5h15
